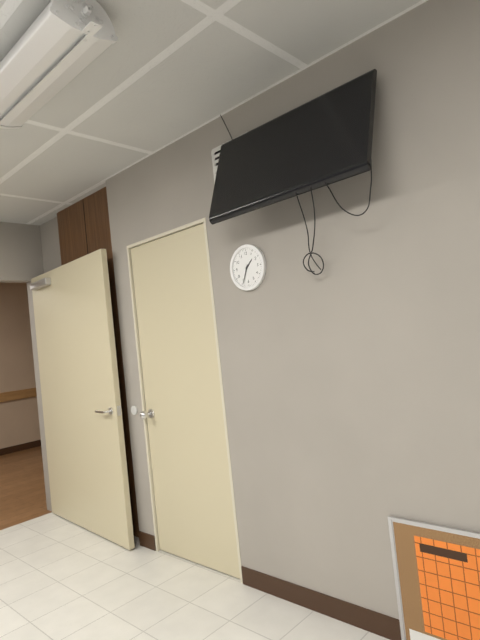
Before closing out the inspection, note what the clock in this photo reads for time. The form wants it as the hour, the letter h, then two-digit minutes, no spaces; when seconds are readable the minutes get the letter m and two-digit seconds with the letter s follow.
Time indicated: 1h34
